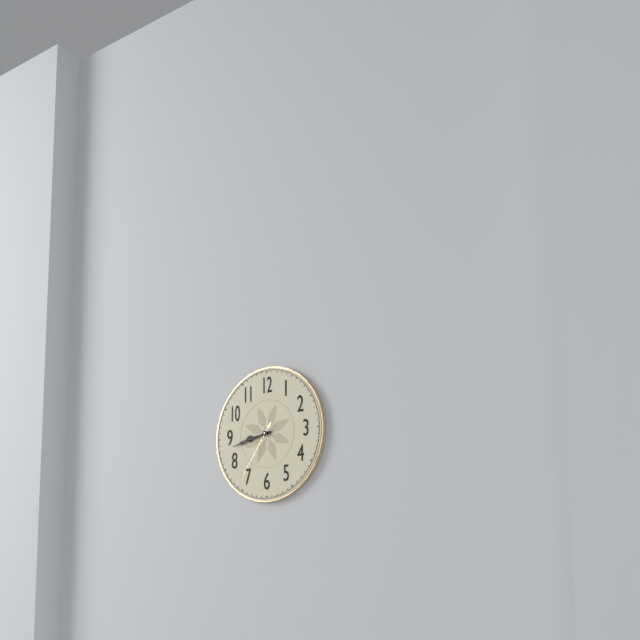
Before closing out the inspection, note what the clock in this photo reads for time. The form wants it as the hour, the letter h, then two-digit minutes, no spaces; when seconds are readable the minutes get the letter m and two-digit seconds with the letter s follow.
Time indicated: 8h43m36s
